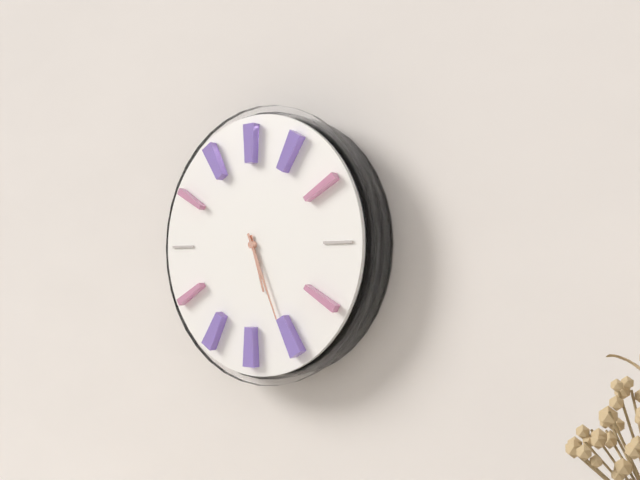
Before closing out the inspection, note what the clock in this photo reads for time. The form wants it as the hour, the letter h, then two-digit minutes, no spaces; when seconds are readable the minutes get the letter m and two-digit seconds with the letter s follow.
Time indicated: 5h26
